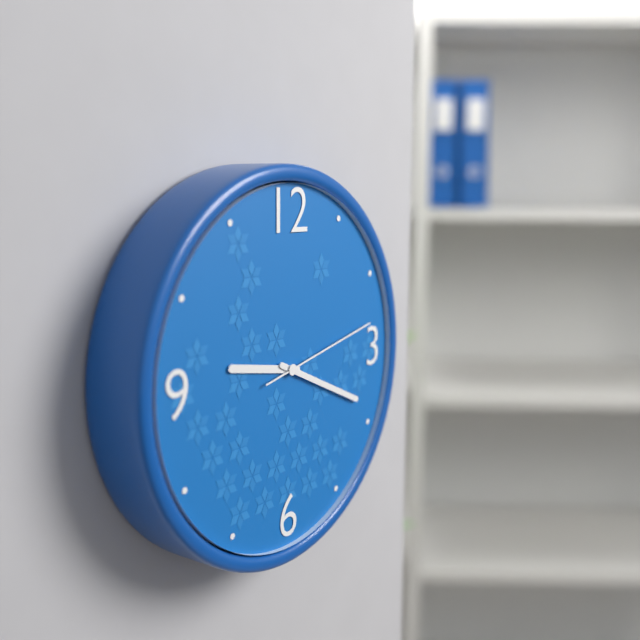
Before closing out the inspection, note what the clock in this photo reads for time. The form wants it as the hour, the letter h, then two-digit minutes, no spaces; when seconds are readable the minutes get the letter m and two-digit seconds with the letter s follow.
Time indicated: 9h19m13s
